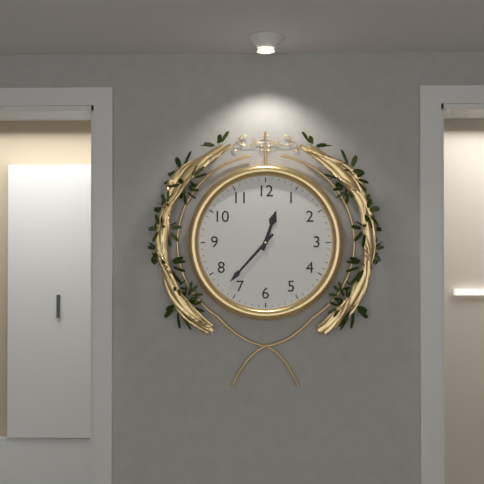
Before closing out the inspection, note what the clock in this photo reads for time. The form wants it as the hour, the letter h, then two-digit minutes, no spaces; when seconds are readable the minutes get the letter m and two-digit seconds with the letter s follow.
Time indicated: 12h37
